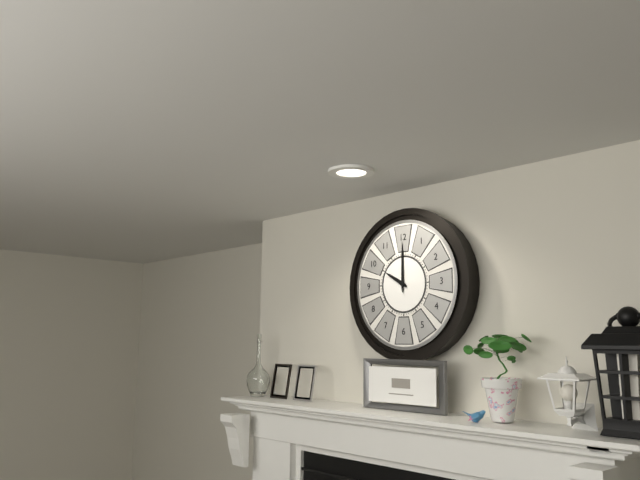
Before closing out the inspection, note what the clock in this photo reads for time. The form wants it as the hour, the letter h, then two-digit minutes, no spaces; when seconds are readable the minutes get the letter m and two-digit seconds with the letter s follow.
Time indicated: 10h00
